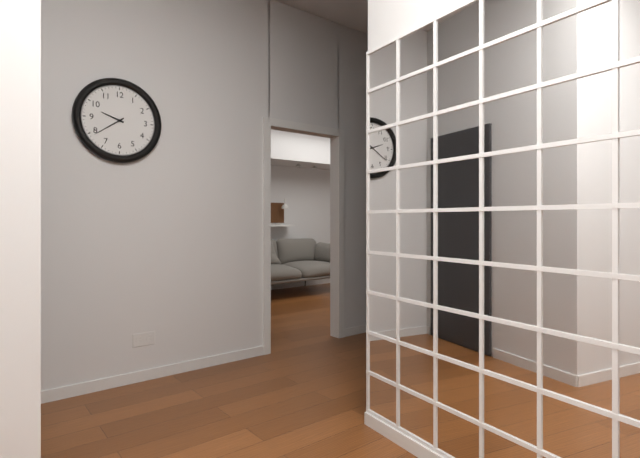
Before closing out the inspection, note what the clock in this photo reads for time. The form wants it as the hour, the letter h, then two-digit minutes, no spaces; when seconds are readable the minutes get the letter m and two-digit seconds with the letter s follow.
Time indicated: 9h39
